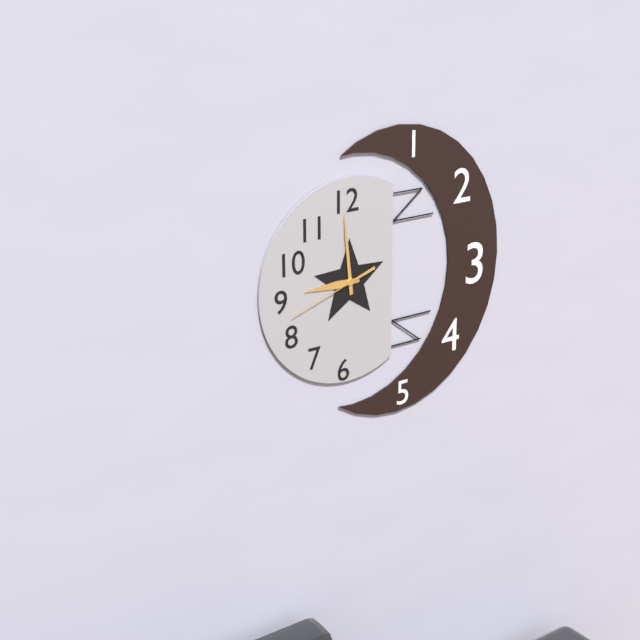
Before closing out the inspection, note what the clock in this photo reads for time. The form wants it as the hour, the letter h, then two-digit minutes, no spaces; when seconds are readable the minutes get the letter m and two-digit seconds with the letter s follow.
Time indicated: 8h59m42s
